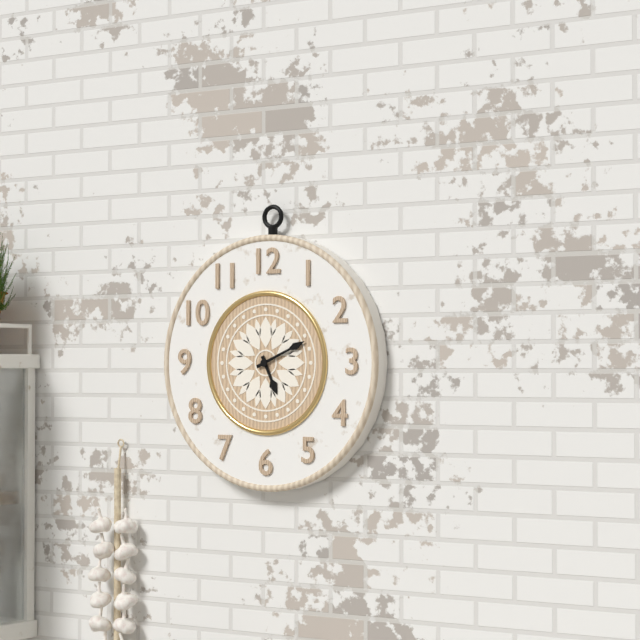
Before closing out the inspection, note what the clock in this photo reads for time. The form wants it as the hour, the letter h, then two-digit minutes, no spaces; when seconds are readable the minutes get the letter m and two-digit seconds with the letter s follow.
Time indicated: 5h11
